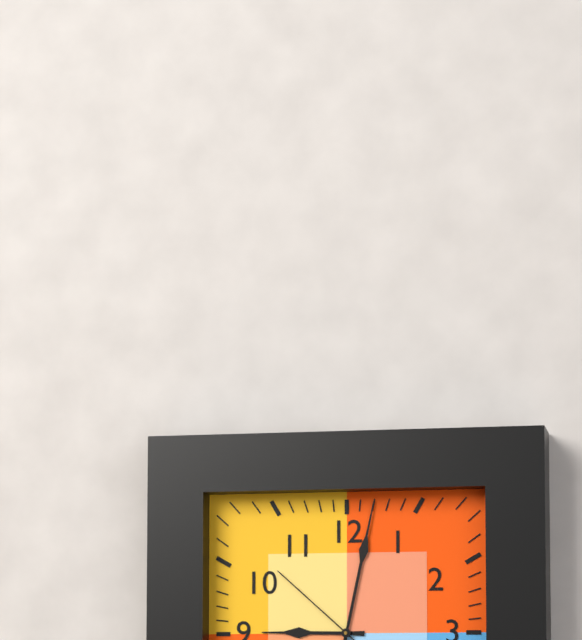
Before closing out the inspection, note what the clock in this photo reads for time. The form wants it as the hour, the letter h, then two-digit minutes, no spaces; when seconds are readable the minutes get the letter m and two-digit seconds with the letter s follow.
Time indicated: 9h02m52s
